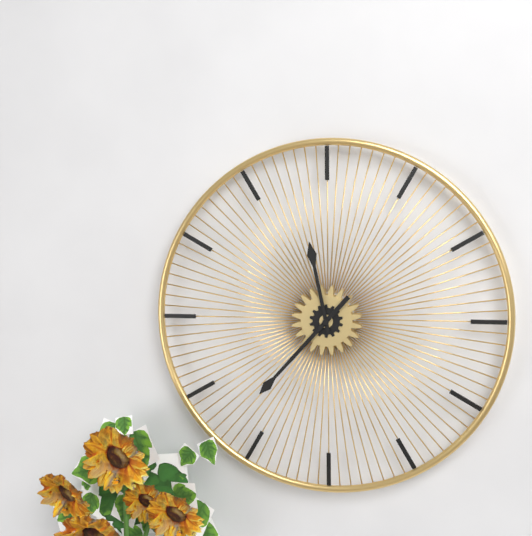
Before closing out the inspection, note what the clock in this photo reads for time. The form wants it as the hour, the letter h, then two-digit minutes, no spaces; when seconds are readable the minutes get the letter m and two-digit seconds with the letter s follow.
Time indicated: 11h37
